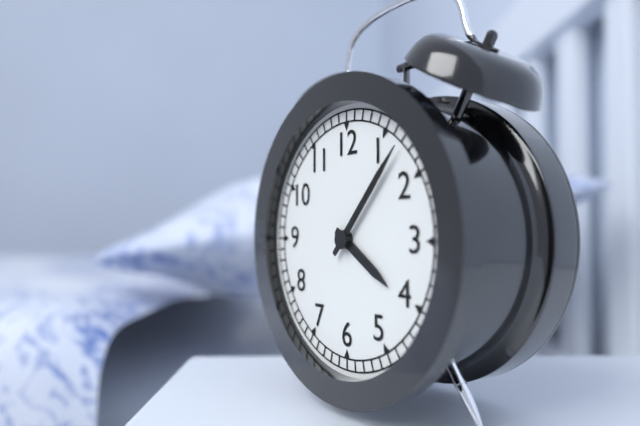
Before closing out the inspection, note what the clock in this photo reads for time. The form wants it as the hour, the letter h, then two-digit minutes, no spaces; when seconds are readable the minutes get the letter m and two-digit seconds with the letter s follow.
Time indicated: 4h07
